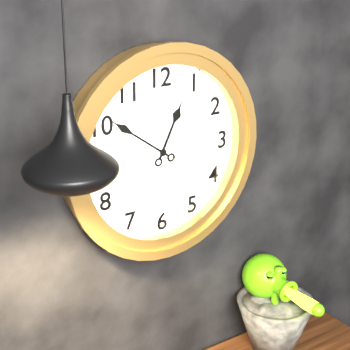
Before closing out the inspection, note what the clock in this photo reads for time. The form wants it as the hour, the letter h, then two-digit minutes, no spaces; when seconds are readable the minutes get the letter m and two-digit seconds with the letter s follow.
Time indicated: 12h51
